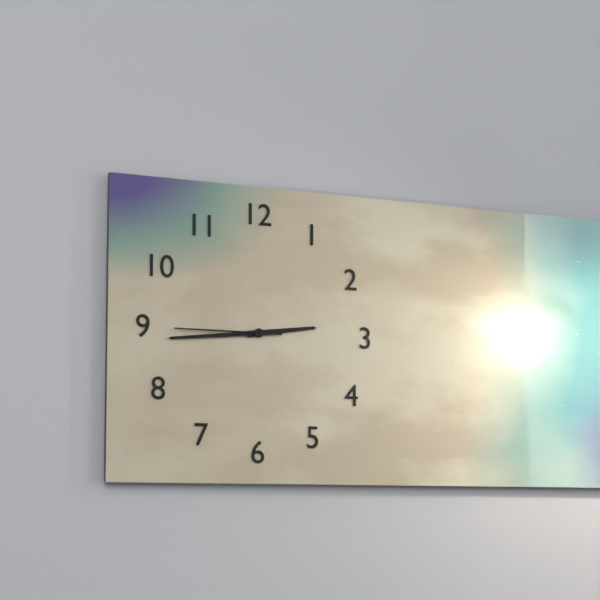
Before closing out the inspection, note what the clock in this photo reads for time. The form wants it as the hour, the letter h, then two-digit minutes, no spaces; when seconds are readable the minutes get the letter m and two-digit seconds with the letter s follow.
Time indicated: 2h44m45s
